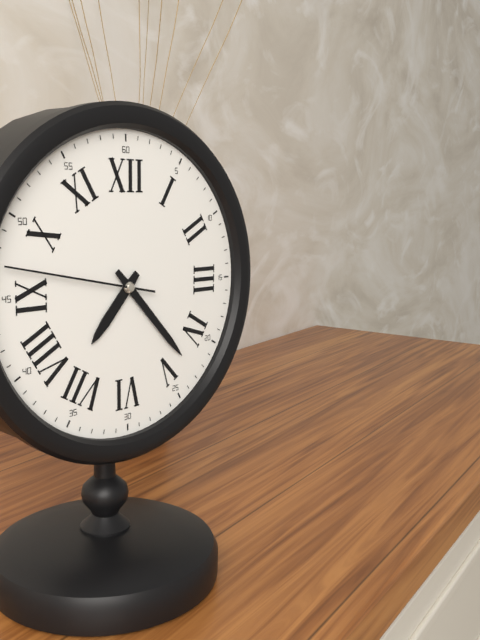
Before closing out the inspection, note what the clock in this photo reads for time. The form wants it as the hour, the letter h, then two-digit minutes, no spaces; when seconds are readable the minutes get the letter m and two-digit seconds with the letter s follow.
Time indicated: 7h23m47s
